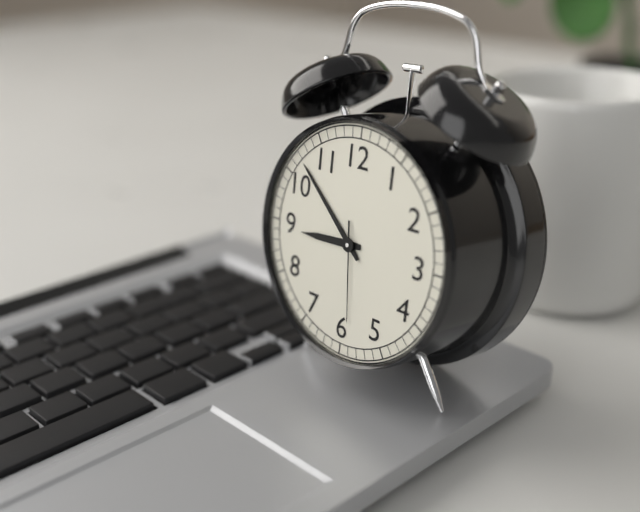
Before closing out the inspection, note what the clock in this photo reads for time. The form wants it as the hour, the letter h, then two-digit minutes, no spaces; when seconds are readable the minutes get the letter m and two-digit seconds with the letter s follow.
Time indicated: 8h52m29s
